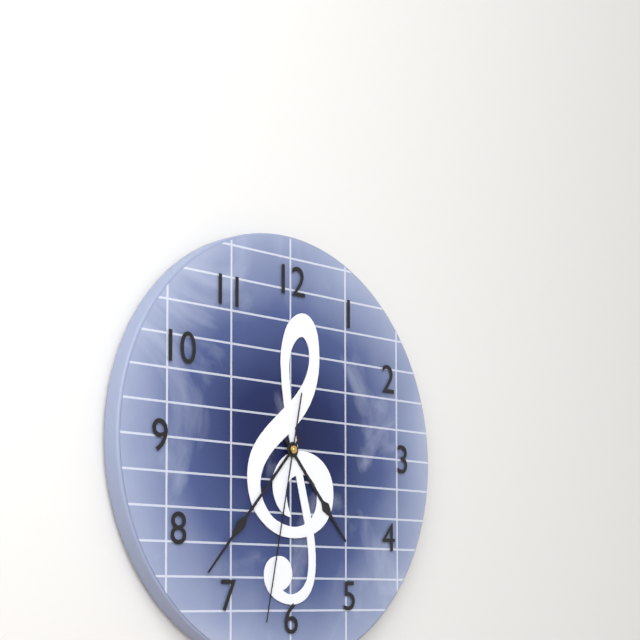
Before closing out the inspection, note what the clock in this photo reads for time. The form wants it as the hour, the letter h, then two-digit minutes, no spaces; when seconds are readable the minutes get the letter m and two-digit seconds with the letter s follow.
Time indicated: 4h37m32s
